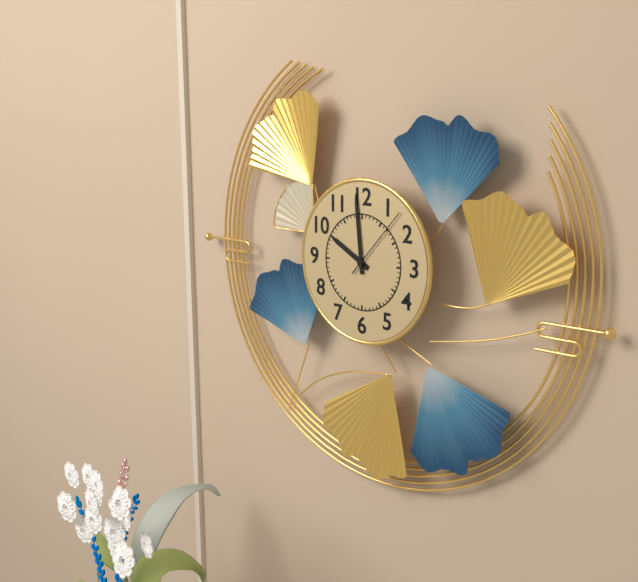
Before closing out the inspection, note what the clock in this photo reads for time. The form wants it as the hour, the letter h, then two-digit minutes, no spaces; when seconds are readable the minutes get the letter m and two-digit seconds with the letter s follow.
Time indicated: 9h59m07s
